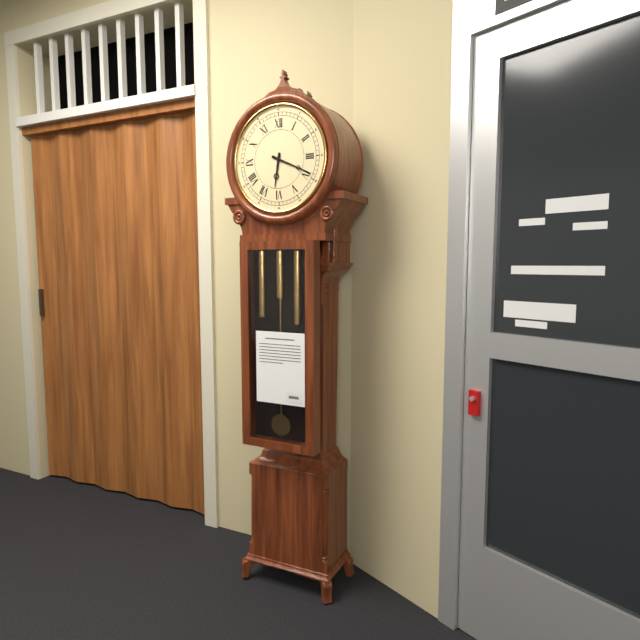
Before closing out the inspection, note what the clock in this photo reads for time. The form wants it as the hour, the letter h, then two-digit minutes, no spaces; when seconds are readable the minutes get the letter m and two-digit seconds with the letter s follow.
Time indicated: 6h19
